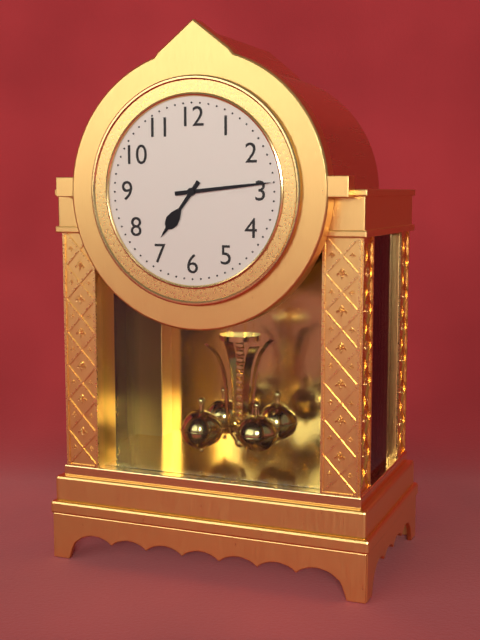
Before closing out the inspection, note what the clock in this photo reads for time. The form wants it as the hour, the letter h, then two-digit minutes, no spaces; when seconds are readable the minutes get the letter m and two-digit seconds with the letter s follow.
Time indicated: 7h14
